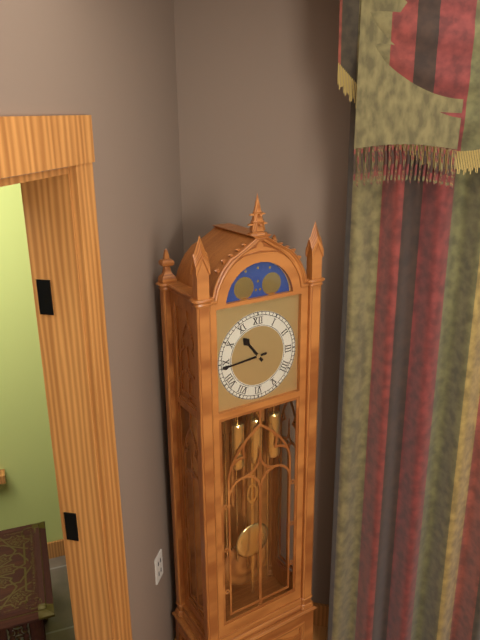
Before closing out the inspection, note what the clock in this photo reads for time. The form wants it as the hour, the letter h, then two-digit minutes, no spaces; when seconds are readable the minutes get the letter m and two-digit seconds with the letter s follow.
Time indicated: 10h44
